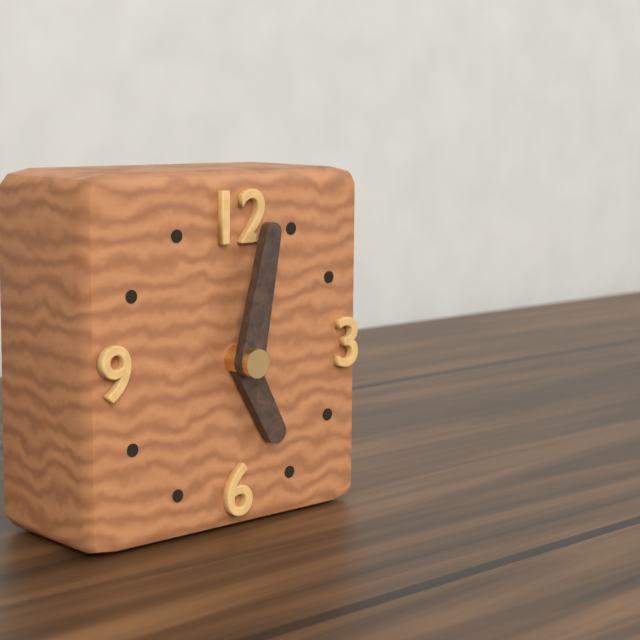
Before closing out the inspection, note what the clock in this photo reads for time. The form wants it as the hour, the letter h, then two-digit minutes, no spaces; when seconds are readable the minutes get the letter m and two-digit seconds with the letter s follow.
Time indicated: 5h02
